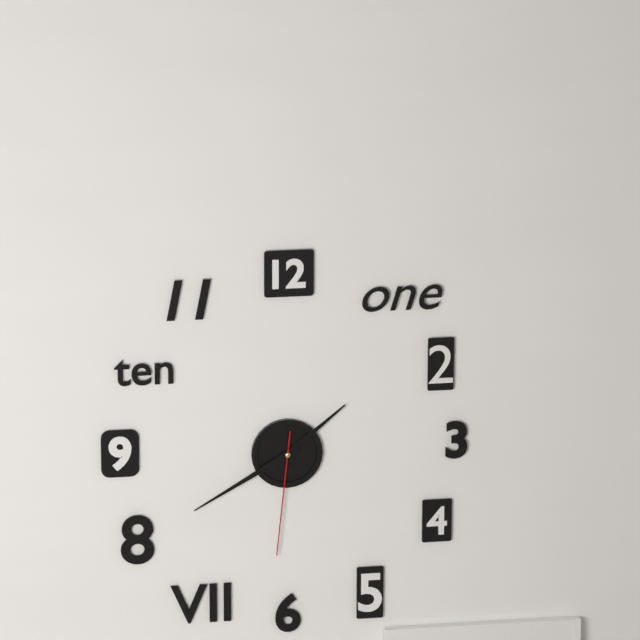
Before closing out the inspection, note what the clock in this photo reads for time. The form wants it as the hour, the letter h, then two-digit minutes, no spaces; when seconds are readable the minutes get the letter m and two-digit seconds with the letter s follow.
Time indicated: 1h40m31s
